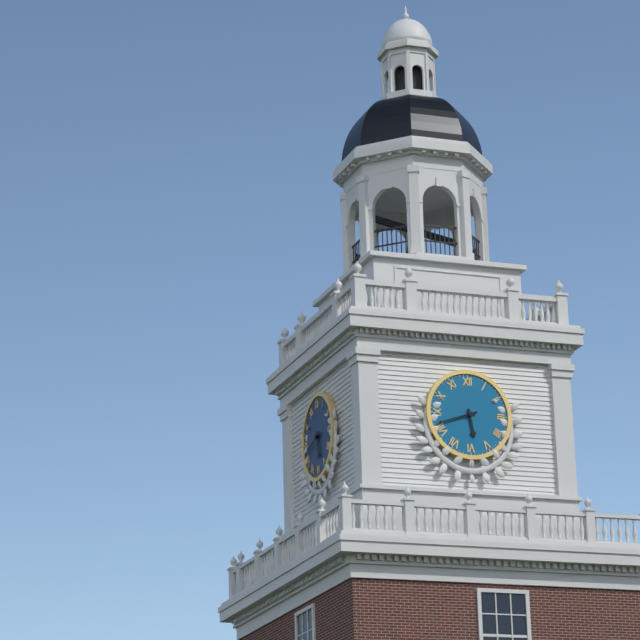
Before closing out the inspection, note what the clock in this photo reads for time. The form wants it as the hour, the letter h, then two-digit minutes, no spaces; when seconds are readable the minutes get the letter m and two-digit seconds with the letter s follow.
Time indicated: 5h42
